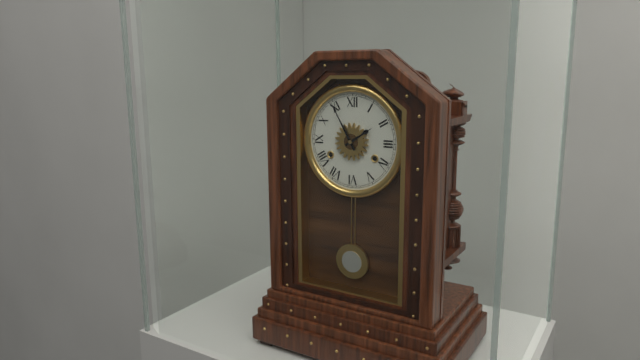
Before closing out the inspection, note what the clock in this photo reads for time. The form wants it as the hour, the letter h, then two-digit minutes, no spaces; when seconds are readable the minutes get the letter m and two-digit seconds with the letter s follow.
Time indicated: 1h55
